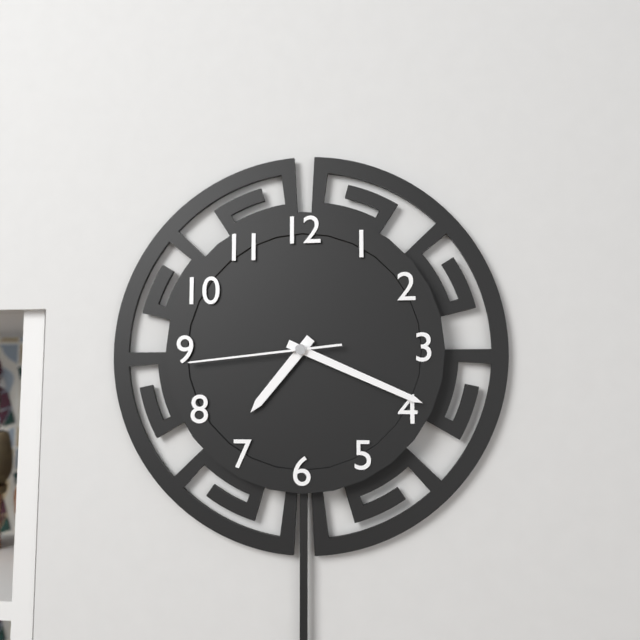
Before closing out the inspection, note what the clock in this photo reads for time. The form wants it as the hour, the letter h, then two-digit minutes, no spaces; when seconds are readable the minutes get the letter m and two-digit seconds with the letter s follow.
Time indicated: 7h19m44s
